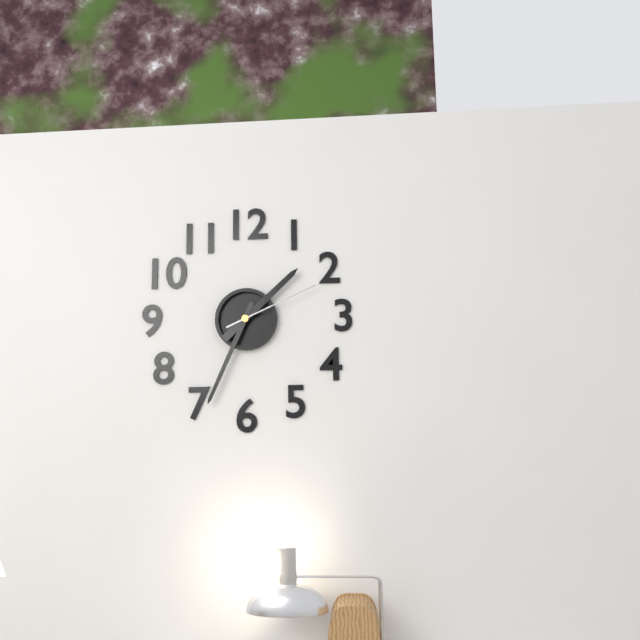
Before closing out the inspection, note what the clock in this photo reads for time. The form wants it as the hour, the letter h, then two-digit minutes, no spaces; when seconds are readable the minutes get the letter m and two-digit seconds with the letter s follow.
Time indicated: 1h34m11s
